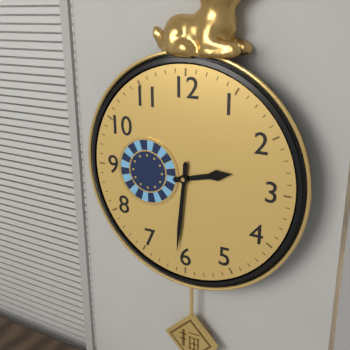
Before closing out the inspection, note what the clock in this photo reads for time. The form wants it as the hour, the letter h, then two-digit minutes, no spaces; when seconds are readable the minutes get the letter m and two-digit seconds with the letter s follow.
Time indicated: 2h31
